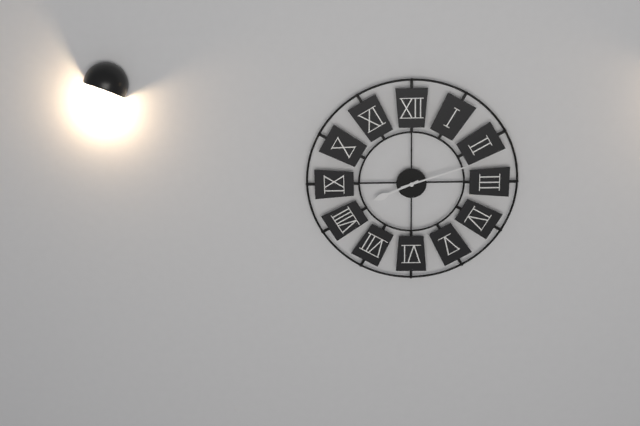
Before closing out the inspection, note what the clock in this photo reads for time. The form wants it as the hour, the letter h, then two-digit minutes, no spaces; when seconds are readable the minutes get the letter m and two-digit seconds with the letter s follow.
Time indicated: 8h12
